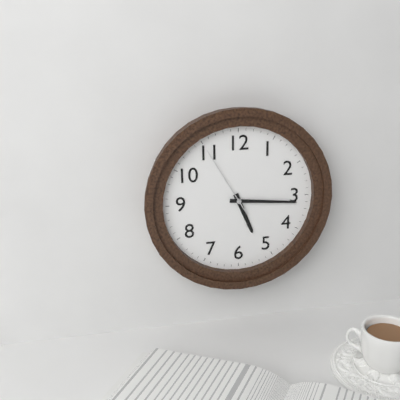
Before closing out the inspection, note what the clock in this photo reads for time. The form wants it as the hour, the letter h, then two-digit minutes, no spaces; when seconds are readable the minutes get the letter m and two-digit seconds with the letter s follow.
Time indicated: 5h16m55s
